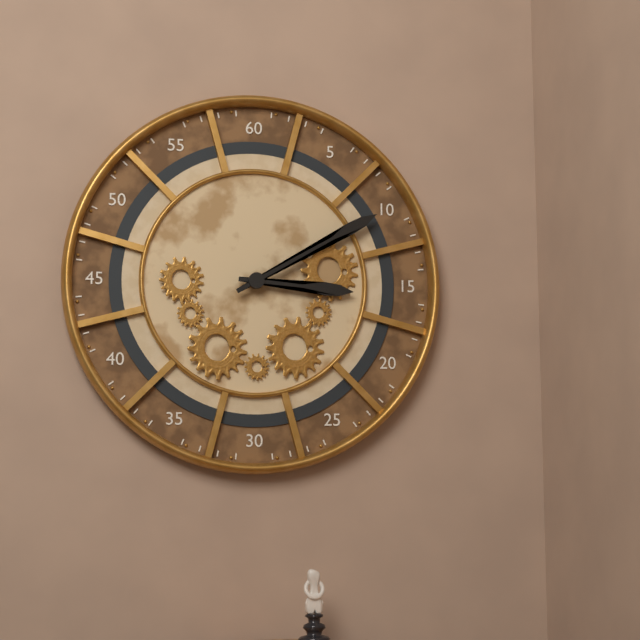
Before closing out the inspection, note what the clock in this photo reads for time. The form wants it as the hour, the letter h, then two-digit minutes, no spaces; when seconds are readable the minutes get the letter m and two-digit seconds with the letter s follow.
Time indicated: 3h10
